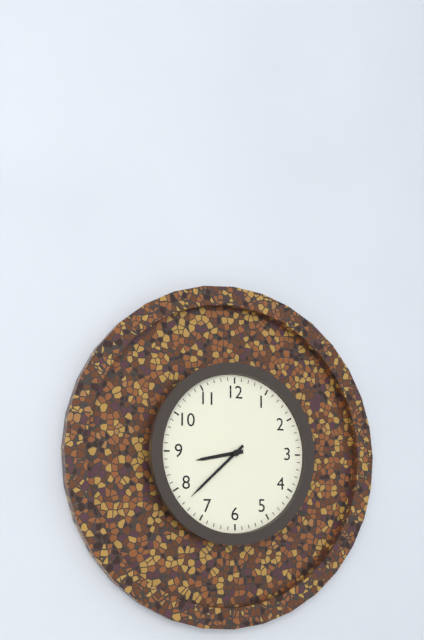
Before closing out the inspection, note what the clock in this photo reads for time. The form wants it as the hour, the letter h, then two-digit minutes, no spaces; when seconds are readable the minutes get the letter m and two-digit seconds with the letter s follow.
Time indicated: 8h38
